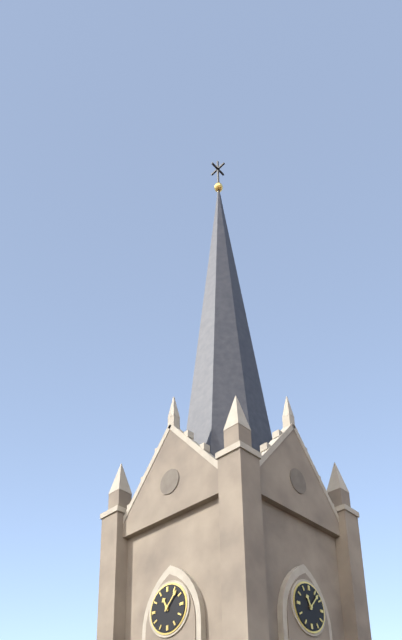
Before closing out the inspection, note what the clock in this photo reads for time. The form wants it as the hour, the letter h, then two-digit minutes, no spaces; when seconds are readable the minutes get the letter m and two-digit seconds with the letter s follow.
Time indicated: 11h07
